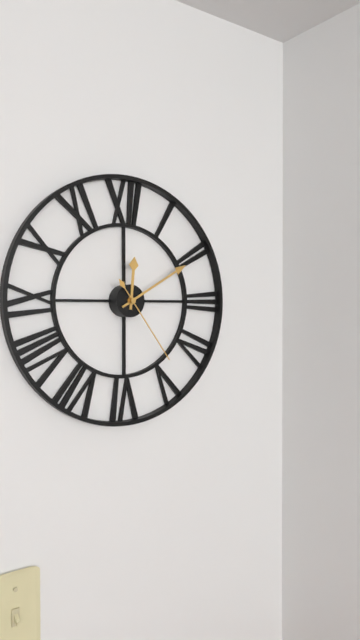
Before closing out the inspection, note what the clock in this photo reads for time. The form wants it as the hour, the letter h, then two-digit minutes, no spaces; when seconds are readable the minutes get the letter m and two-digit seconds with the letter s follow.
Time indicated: 12h10m24s
